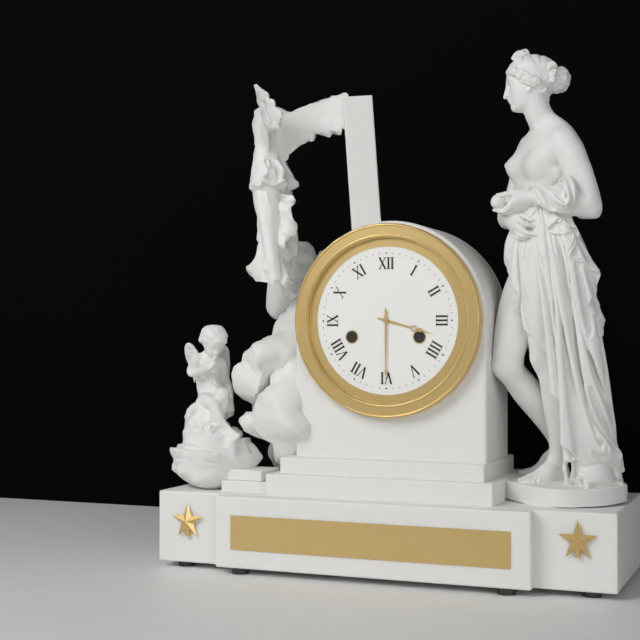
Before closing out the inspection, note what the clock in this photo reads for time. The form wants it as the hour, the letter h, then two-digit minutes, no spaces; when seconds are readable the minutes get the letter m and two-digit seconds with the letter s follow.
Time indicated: 3h30
